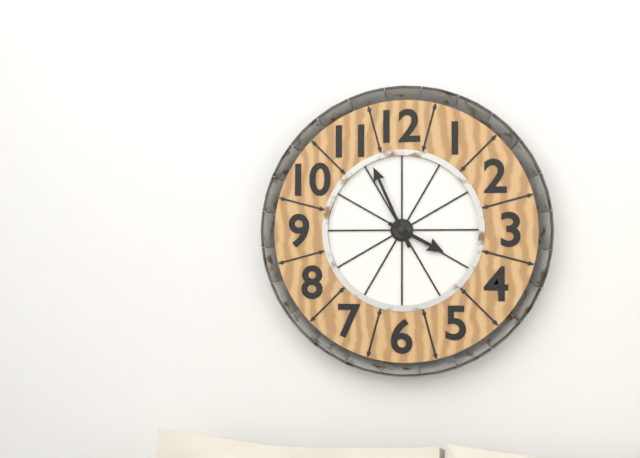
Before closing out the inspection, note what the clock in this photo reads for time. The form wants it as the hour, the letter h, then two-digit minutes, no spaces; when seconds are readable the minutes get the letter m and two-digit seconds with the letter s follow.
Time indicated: 3h56
